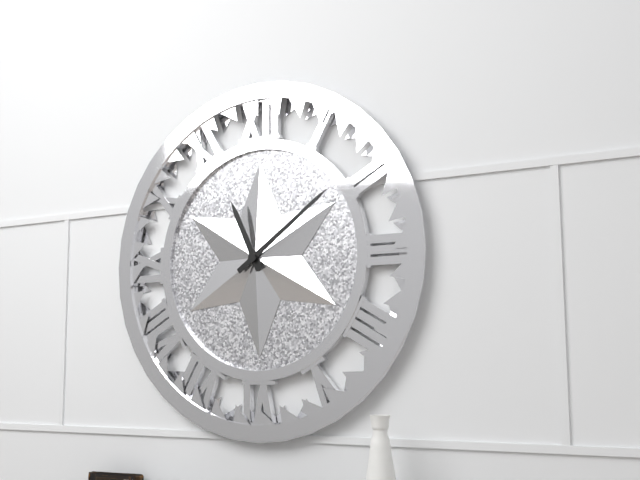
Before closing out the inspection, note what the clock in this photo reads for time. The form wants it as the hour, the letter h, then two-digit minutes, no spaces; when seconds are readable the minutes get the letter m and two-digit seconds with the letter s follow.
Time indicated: 11h09
